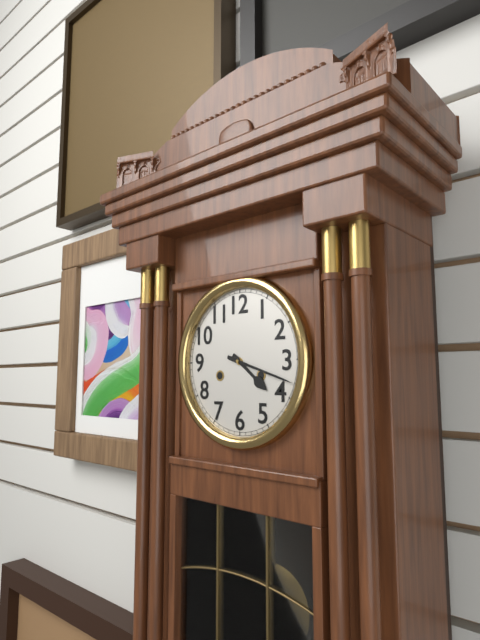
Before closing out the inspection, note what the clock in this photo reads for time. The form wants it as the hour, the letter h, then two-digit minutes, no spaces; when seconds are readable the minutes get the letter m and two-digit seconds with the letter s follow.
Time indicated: 4h18
